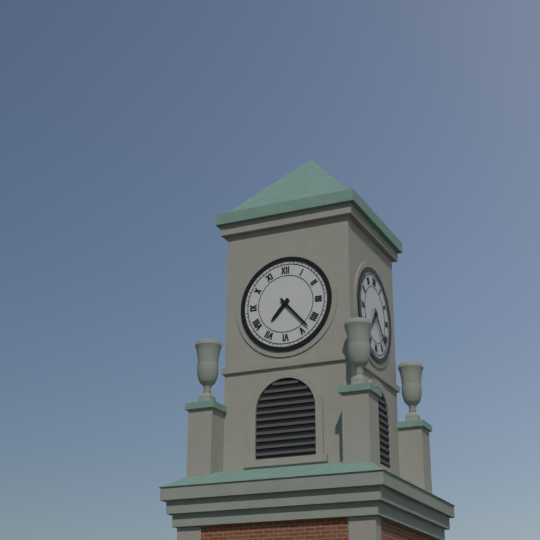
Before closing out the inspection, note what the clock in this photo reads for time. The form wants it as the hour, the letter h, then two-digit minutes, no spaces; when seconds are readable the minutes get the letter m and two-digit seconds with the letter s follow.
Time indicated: 7h23
